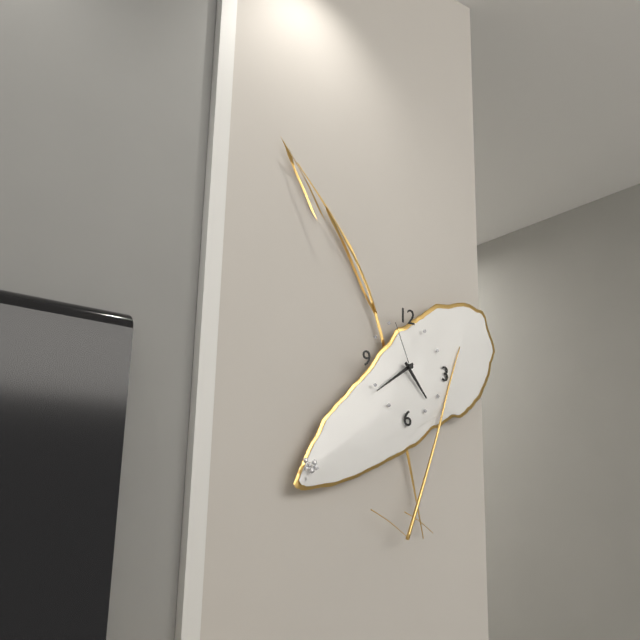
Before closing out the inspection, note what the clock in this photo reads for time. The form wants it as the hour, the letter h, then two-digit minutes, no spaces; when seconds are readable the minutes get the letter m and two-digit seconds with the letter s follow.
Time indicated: 4h39m56s
